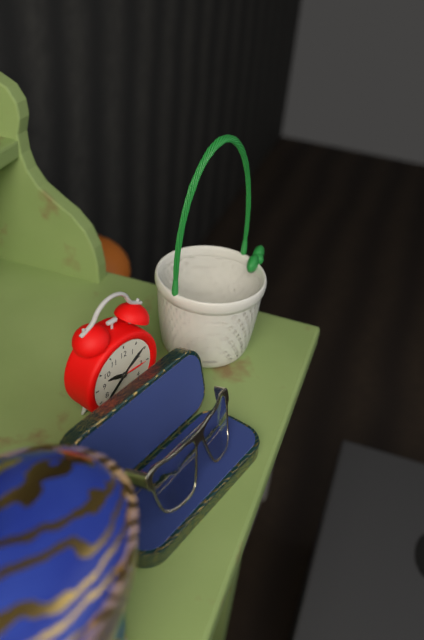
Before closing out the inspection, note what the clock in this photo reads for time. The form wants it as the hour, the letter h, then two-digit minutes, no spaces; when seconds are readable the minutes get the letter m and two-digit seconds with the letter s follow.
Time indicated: 9h38
